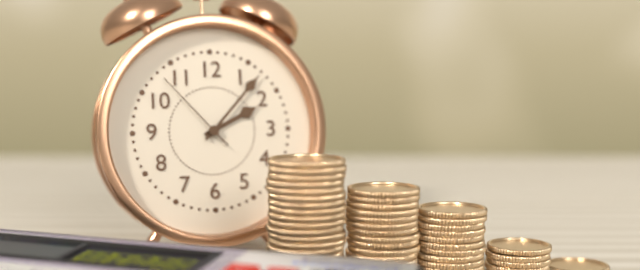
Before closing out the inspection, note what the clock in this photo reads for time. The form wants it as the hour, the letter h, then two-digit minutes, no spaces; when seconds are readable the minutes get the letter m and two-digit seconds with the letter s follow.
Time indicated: 2h07m53s
